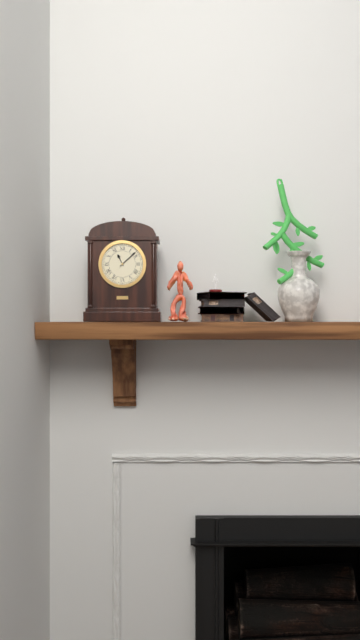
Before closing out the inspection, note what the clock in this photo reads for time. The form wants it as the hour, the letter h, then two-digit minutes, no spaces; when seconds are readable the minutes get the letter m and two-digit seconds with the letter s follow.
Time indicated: 11h08
